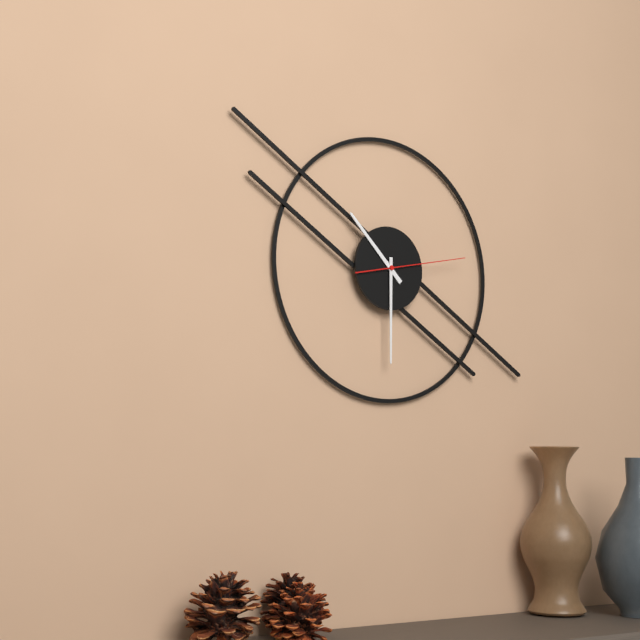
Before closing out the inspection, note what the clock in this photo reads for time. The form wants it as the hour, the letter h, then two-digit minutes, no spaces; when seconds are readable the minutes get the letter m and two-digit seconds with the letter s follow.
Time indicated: 10h30m13s
